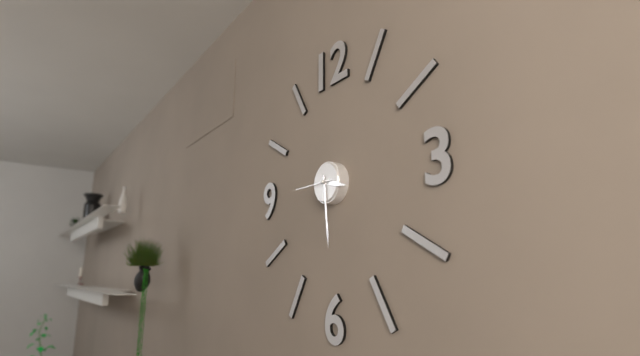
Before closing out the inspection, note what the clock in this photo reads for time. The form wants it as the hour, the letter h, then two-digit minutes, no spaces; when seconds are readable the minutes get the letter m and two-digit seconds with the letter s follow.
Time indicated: 3h29
